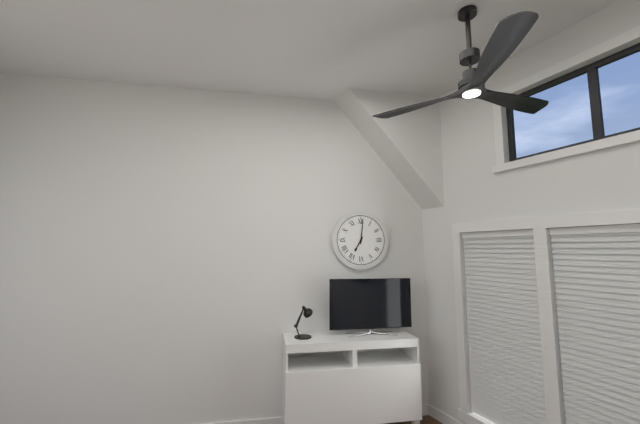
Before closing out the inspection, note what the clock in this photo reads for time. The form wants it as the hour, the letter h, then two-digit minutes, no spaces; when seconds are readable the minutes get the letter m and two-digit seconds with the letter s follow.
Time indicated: 7h01
